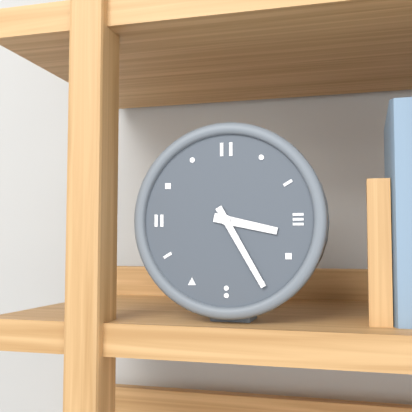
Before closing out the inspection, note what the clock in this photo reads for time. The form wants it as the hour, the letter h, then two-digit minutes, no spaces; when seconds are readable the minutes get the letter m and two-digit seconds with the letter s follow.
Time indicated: 3h25
